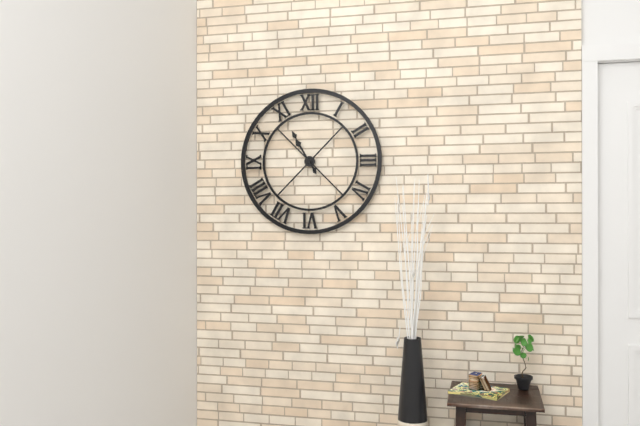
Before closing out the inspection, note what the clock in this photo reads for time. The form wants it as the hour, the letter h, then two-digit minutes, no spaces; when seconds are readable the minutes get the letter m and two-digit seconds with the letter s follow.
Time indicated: 10h55
